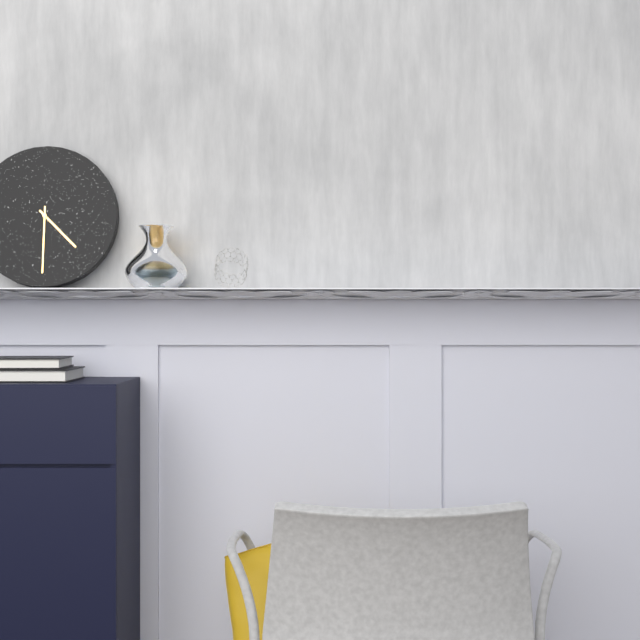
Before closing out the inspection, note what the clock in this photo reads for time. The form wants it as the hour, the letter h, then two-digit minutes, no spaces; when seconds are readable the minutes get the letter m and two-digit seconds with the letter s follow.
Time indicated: 4h30
